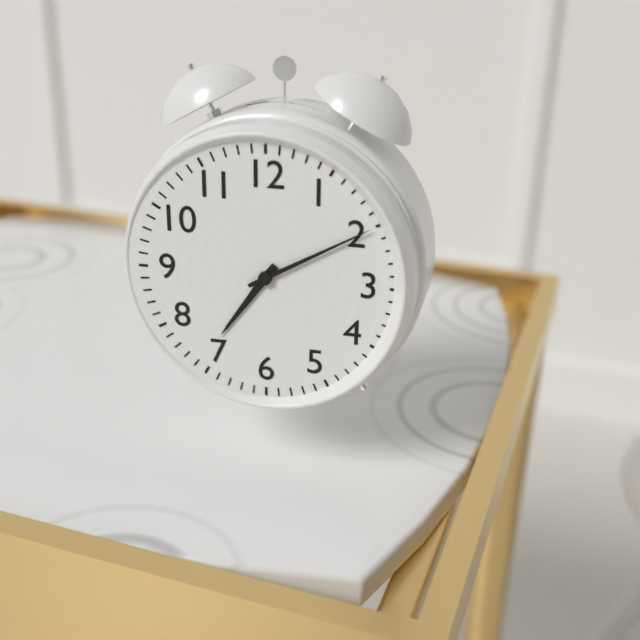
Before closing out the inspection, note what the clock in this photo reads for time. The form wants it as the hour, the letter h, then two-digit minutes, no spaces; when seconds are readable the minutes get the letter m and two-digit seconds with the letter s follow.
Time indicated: 7h10
